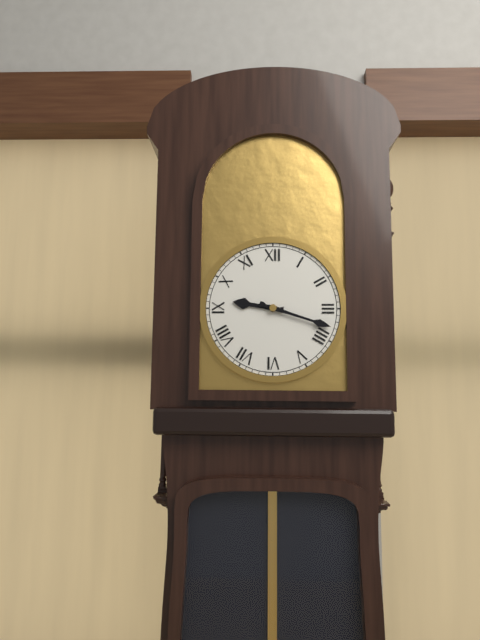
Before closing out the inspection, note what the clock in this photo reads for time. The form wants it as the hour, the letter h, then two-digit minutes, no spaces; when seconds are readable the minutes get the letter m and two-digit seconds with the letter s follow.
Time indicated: 9h18
